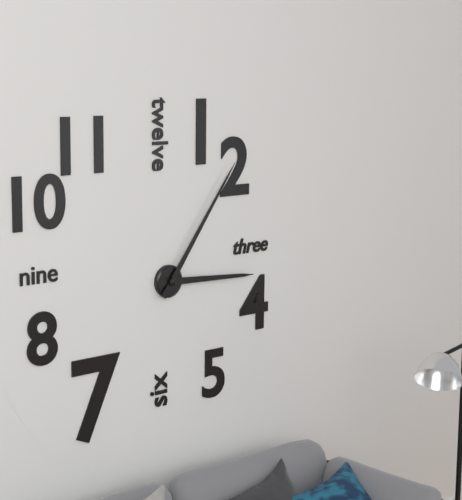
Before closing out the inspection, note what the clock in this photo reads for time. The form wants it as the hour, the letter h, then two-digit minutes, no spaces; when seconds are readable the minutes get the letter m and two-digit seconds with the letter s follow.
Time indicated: 3h06
